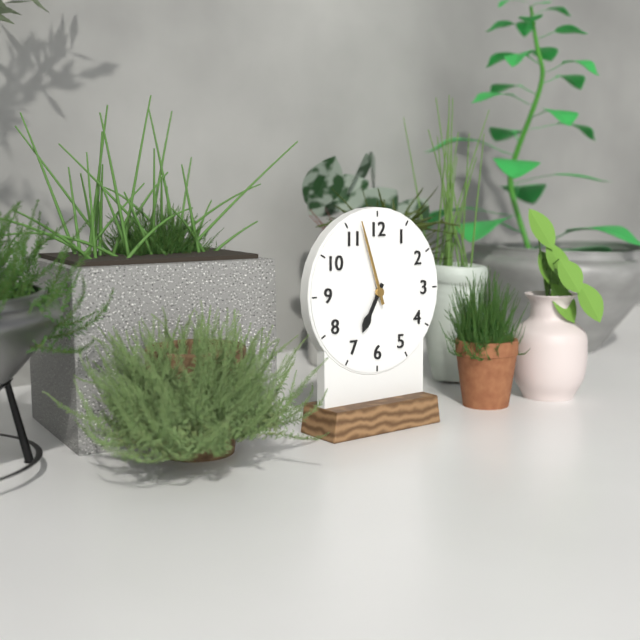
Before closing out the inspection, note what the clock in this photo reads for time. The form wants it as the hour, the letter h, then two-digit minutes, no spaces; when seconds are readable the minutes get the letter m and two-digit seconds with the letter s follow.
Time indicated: 6h57
